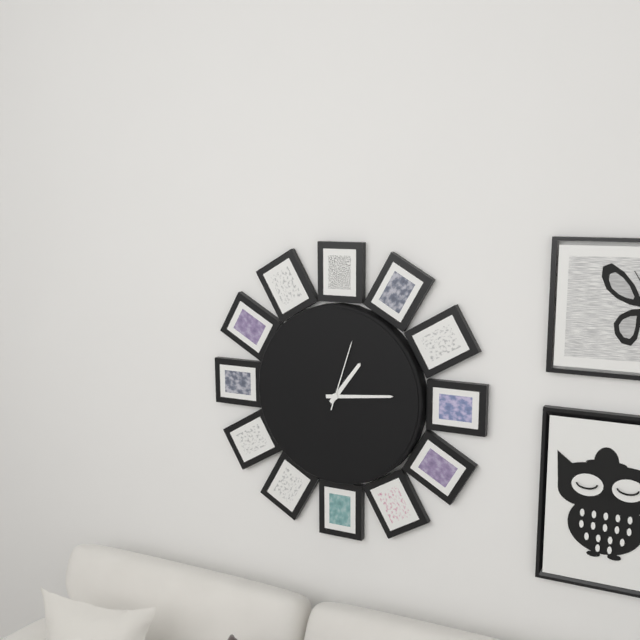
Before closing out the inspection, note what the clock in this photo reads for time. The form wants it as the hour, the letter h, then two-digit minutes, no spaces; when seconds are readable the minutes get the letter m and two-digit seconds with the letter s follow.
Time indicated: 1h14m03s
